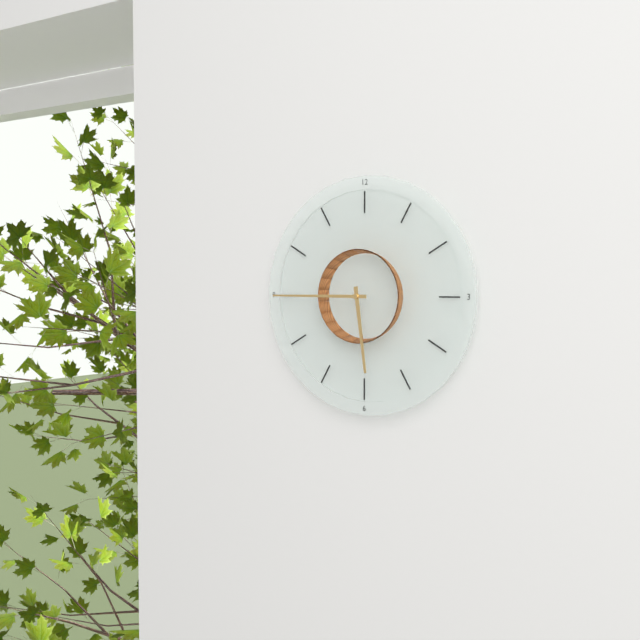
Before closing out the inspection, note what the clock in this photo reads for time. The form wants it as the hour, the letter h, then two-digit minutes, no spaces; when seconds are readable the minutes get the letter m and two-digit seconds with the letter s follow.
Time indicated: 5h45
